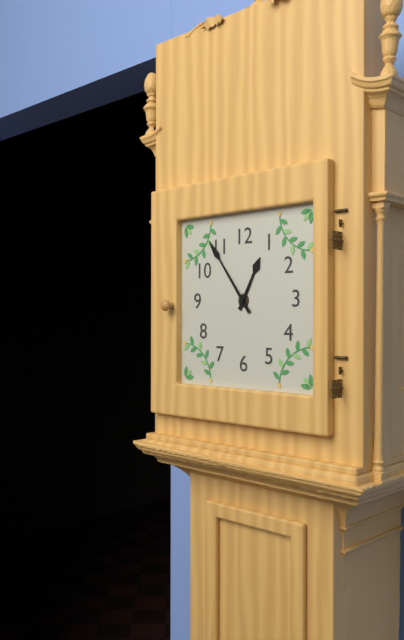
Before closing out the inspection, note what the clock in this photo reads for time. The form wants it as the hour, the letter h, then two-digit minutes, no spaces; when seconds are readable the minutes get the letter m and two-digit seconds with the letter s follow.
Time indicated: 12h54
